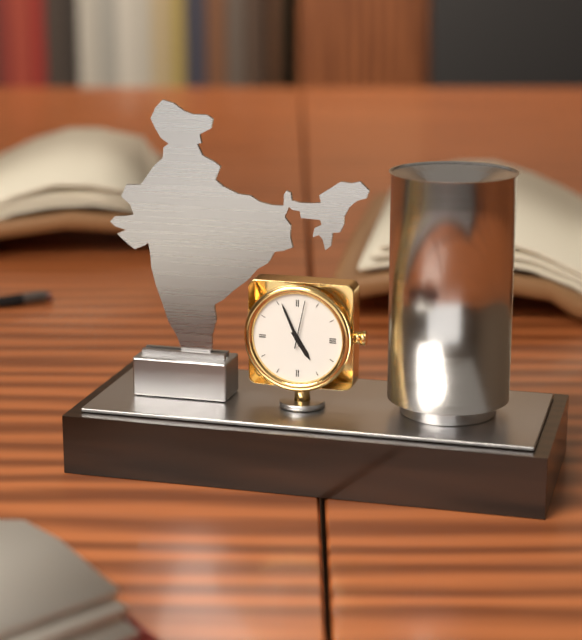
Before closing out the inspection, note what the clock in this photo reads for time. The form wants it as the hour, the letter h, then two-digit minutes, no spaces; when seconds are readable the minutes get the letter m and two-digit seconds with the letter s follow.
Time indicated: 4h56
